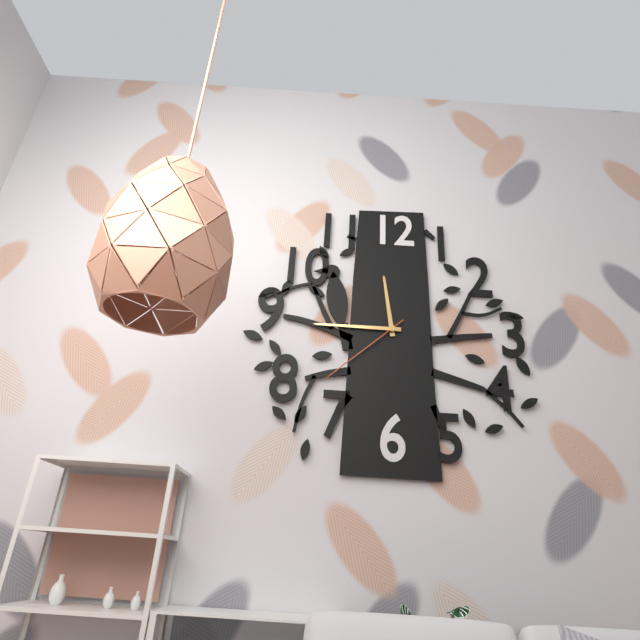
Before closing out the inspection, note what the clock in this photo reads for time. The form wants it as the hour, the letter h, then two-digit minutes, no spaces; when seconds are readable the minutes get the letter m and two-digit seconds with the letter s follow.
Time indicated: 11h45m38s
